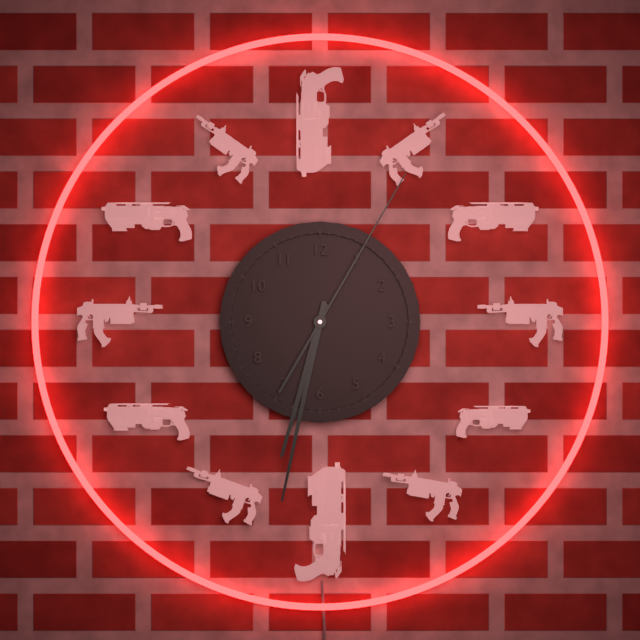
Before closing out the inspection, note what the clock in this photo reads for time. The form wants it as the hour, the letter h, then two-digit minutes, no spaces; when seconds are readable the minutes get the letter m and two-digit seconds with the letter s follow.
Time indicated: 6h32m05s
